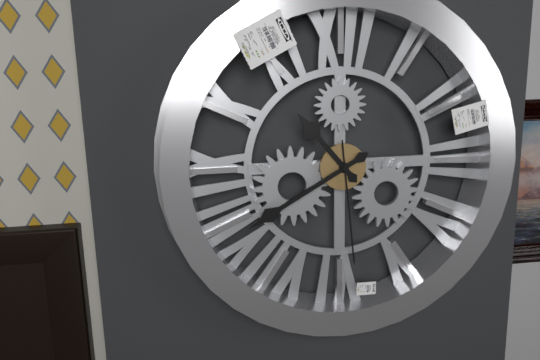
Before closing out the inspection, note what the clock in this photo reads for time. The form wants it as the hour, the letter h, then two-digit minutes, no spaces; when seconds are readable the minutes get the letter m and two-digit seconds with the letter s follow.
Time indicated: 10h40m29s
